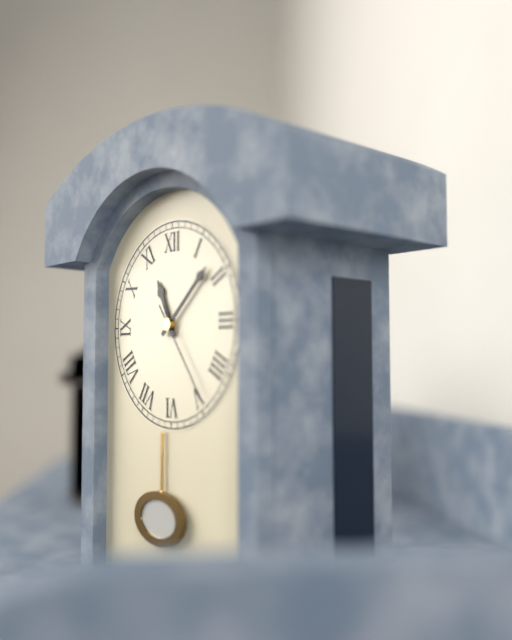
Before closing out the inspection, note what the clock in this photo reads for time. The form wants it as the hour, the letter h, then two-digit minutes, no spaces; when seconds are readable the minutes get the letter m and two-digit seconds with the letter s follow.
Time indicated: 11h08m24s
